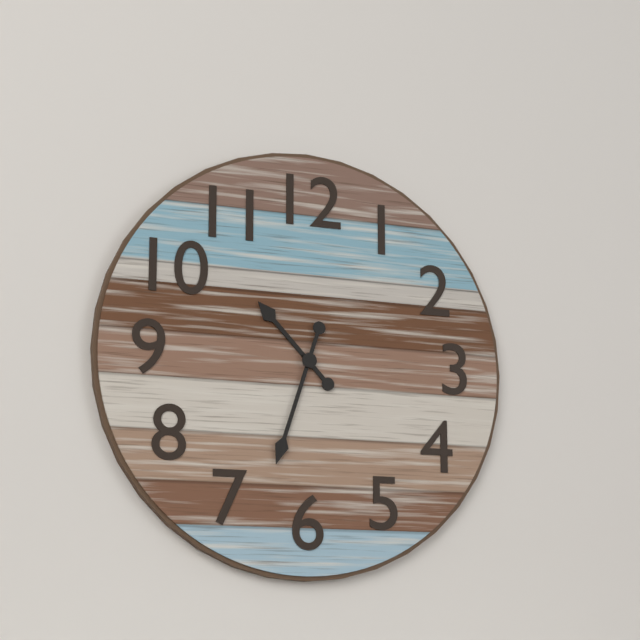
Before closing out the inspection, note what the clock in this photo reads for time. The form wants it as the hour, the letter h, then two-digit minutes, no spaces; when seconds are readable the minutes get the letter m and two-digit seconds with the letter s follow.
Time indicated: 10h33
